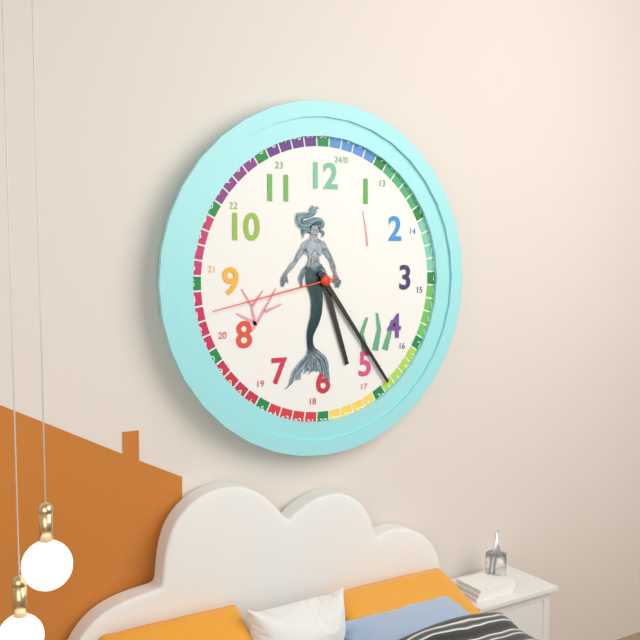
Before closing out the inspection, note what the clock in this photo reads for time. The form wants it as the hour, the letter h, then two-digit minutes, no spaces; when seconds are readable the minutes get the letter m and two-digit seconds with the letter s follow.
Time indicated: 5h24m43s
